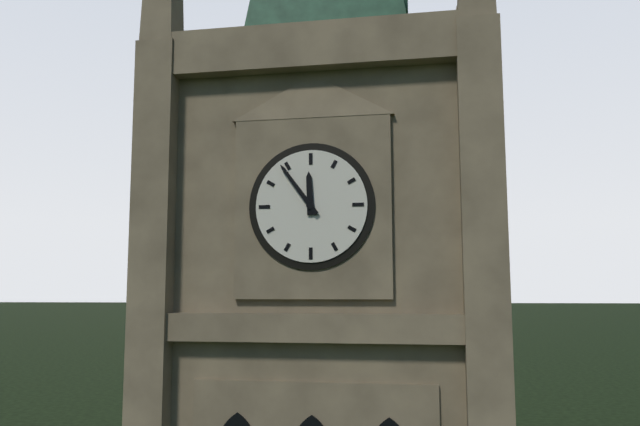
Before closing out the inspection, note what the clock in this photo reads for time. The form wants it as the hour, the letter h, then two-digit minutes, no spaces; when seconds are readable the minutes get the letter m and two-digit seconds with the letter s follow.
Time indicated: 11h54
